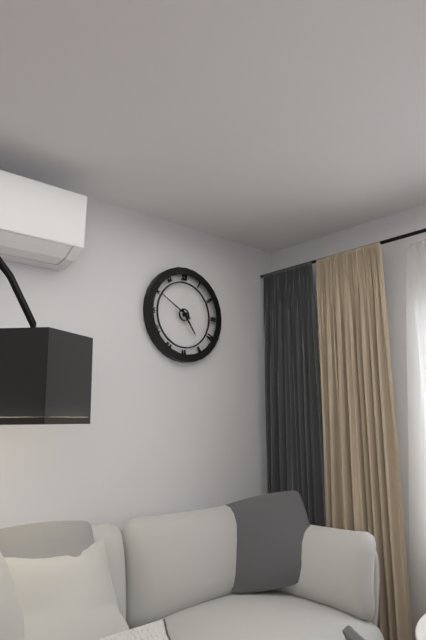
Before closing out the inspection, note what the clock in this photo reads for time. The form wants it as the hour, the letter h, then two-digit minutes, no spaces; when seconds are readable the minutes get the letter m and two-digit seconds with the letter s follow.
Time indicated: 4h50
